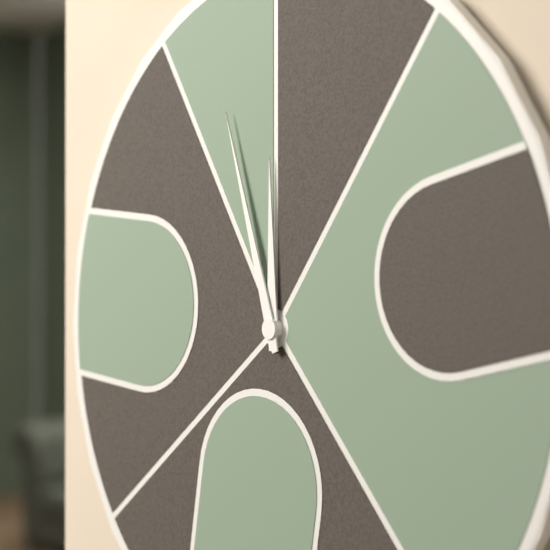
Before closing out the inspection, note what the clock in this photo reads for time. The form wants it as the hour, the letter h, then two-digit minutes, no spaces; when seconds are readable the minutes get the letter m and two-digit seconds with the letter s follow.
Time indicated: 11h57
